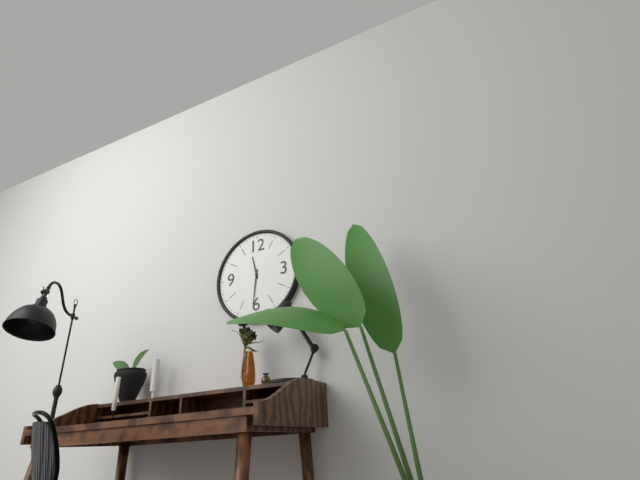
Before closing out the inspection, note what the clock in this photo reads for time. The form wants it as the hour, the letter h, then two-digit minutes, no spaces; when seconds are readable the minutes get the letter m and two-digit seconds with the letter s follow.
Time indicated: 11h31
